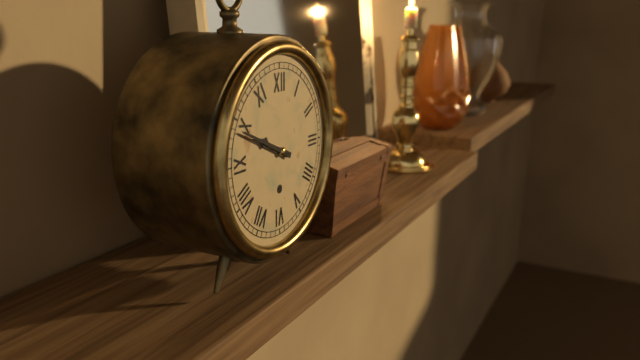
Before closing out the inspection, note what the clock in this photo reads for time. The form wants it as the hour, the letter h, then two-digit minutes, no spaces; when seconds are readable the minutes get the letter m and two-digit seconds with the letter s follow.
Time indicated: 9h49
